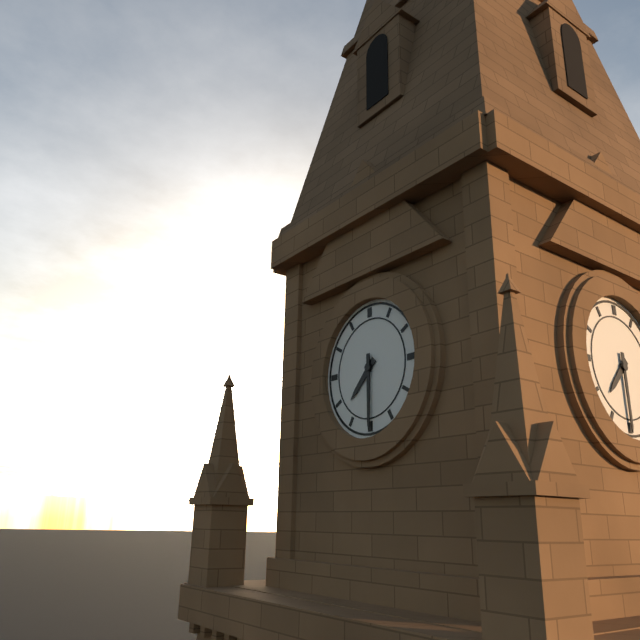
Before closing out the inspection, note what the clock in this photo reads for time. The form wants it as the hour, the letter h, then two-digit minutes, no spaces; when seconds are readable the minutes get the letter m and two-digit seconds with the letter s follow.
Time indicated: 7h30
